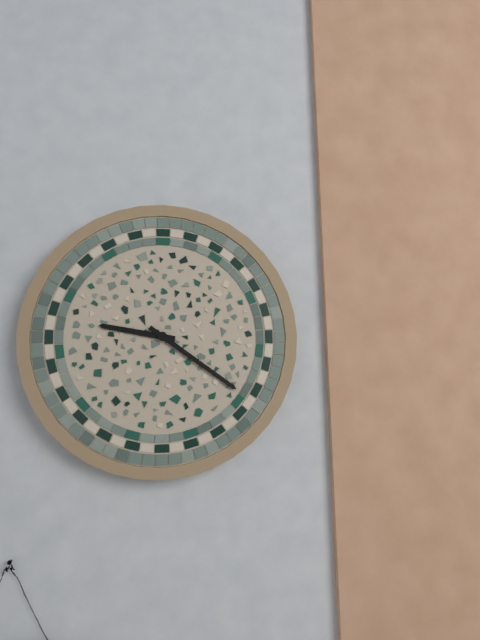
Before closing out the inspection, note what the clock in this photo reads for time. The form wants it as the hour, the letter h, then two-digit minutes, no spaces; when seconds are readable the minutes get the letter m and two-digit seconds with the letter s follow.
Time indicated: 9h21
